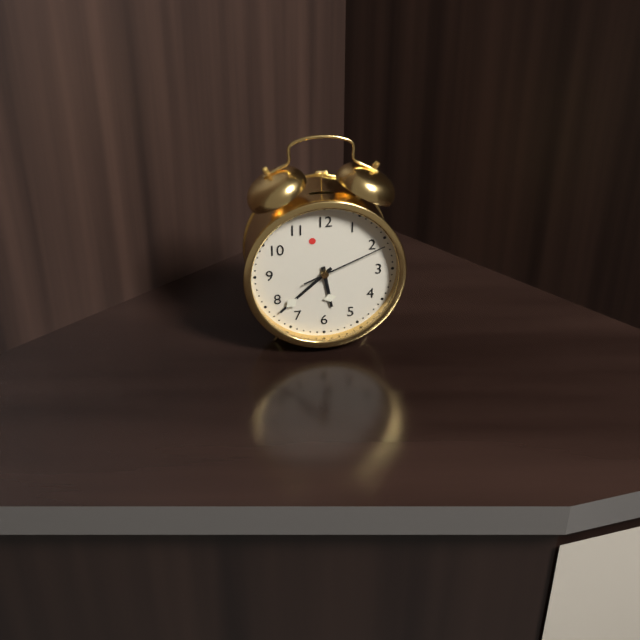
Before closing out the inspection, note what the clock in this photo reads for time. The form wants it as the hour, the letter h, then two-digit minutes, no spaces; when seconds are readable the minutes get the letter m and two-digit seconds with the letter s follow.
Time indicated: 5h38m11s
